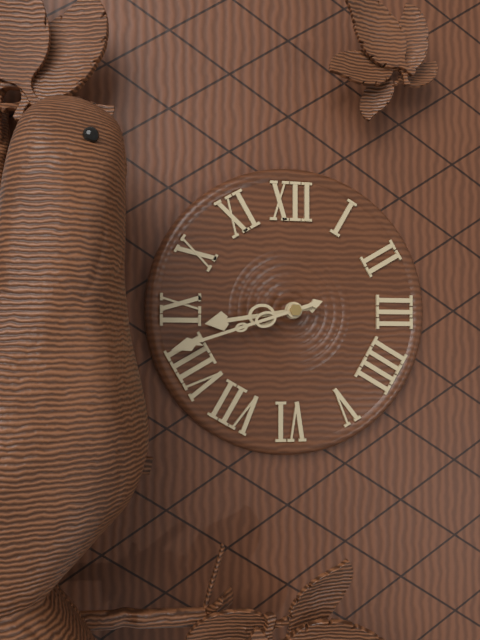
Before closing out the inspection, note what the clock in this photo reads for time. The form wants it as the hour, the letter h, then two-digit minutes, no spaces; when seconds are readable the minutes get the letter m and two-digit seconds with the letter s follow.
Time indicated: 8h42
